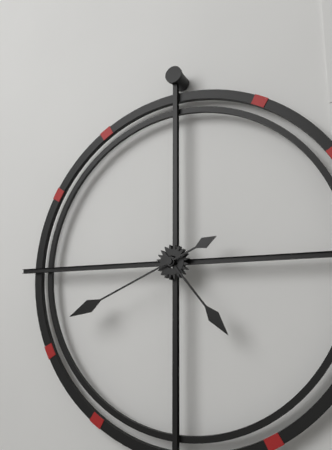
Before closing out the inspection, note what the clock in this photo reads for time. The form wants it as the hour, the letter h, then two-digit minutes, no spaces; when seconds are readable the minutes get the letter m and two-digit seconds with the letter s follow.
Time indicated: 4h41
